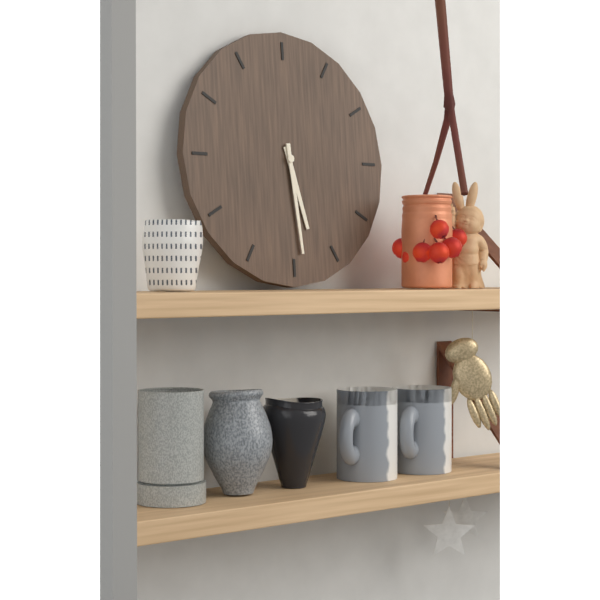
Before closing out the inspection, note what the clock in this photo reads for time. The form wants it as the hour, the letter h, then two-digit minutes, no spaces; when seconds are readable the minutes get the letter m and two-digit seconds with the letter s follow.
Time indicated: 5h29
